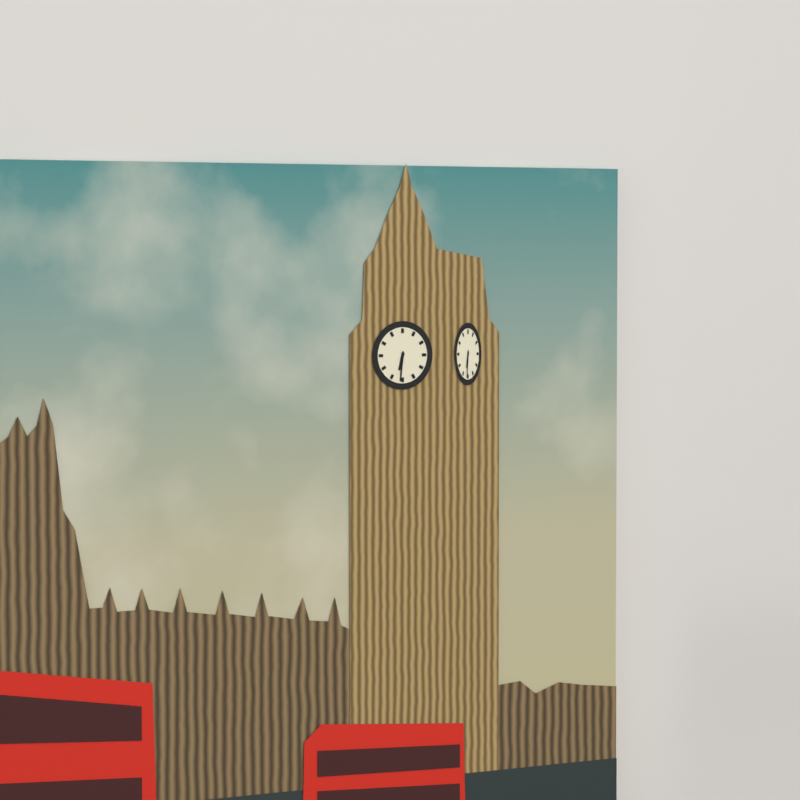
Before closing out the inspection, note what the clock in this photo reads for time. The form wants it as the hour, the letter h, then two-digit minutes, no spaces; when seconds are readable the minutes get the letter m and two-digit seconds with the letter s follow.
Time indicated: 6h31
